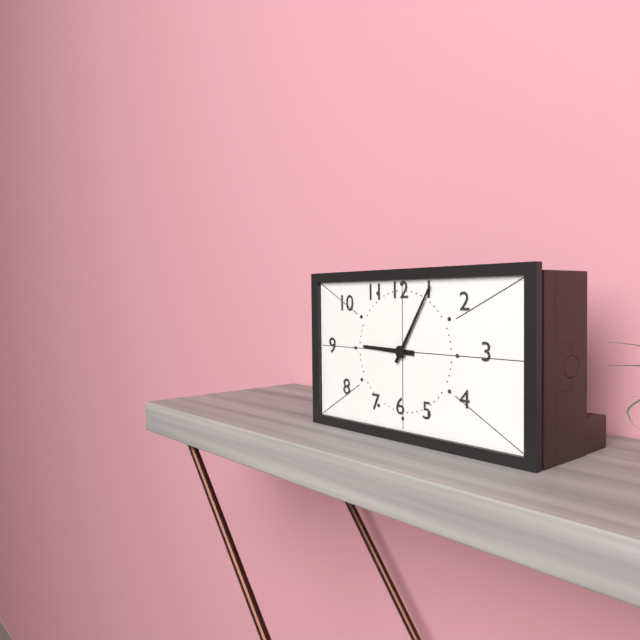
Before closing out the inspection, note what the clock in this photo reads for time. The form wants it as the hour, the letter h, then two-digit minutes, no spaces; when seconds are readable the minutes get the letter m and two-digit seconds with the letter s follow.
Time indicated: 9h05
